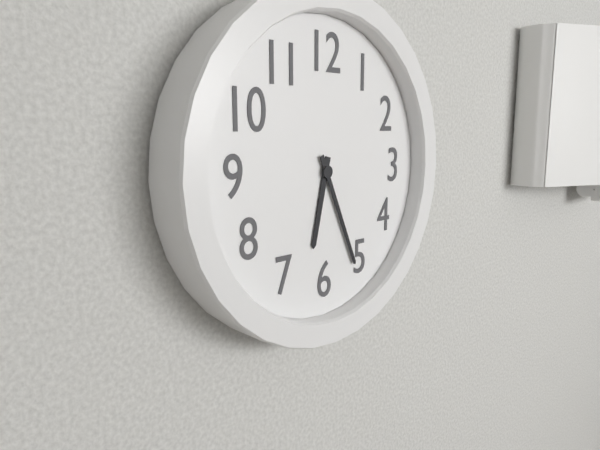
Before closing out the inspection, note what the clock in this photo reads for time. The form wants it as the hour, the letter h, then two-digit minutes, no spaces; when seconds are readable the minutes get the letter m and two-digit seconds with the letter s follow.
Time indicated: 6h26
